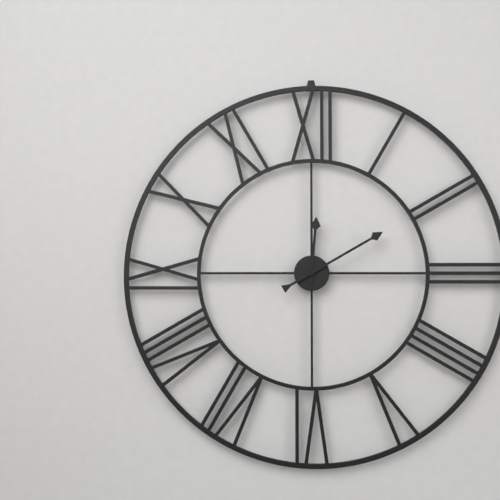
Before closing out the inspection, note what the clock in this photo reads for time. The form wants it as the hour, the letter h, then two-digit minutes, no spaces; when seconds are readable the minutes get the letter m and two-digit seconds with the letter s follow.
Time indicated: 12h10
